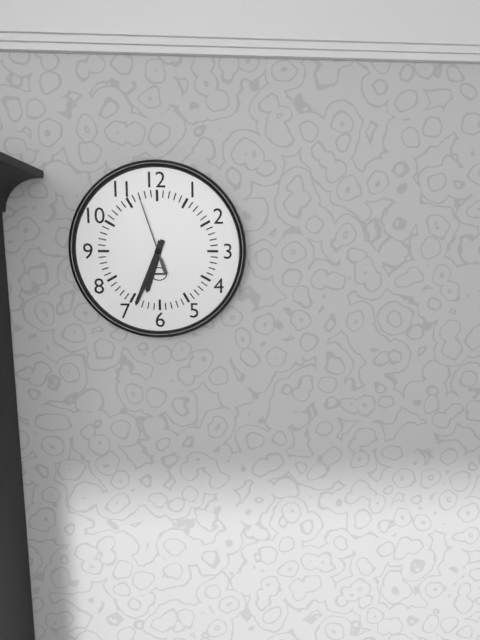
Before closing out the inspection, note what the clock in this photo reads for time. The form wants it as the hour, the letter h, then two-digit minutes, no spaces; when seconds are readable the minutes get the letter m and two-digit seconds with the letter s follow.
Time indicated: 6h34m57s
